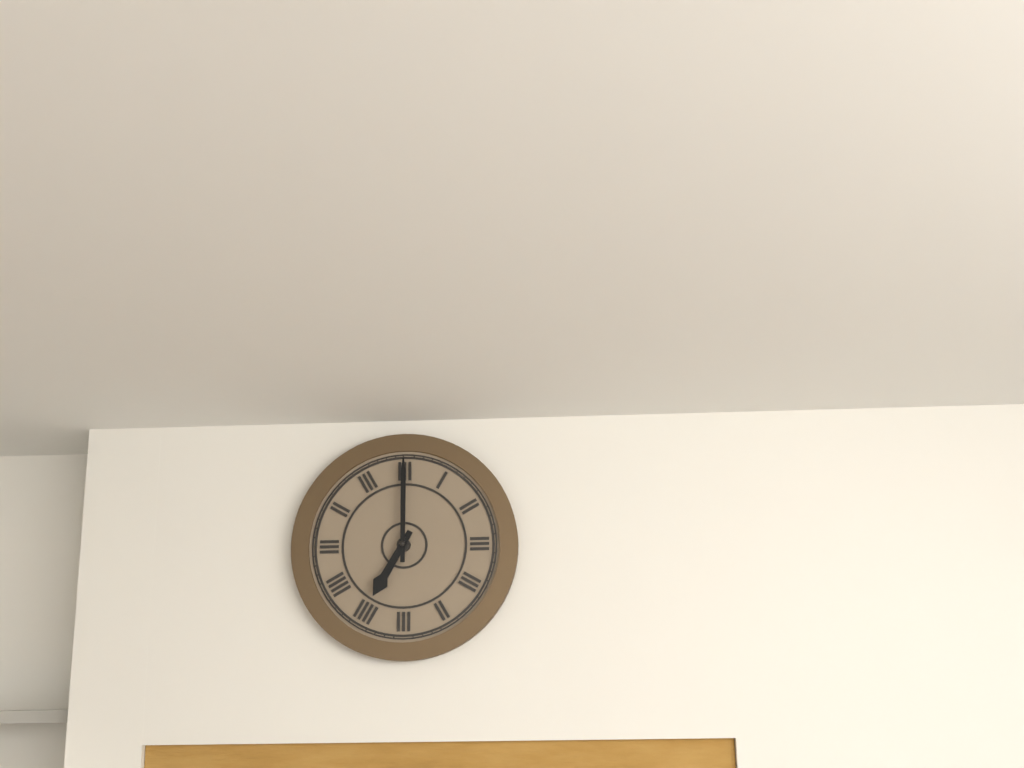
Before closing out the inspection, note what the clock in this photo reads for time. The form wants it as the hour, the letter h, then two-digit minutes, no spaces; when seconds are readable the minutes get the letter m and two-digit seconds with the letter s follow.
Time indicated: 7h00
